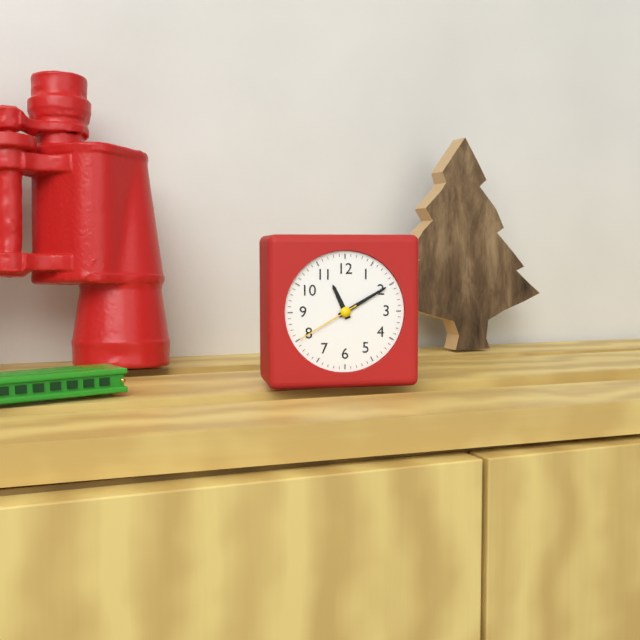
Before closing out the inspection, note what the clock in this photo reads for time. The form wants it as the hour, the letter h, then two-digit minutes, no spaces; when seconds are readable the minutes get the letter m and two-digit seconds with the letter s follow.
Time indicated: 11h10m40s
